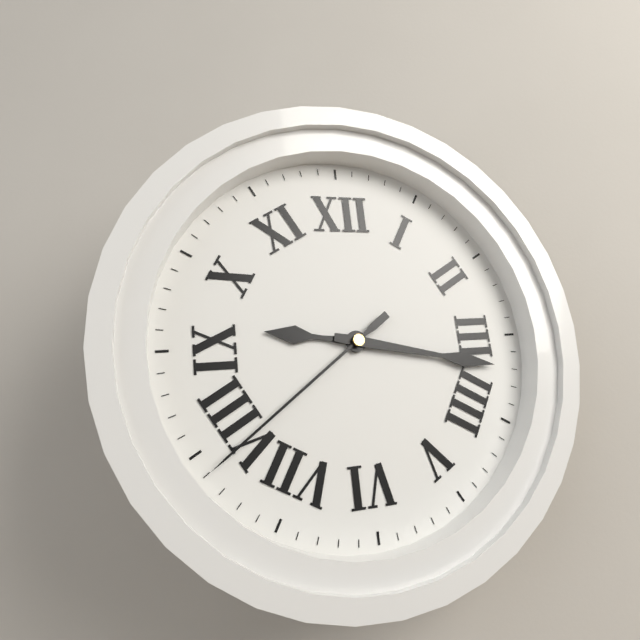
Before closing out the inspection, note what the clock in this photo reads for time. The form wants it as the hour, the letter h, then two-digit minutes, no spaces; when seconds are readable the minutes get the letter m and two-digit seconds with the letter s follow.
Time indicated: 9h17m39s
